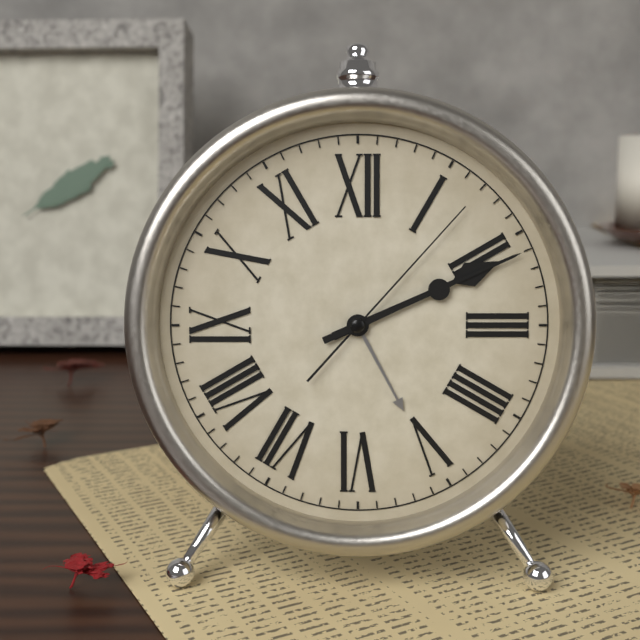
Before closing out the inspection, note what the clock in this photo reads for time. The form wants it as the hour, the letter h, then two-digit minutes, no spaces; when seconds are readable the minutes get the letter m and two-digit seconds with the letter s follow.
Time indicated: 2h11m07s
